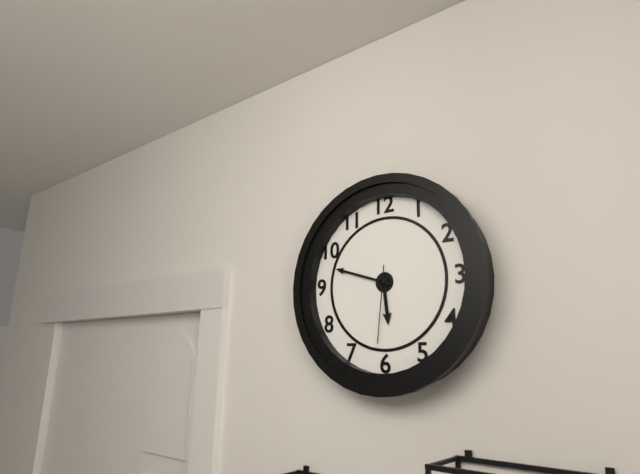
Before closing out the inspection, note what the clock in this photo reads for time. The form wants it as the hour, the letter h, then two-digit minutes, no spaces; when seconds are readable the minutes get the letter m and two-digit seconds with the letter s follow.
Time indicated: 5h48m31s
